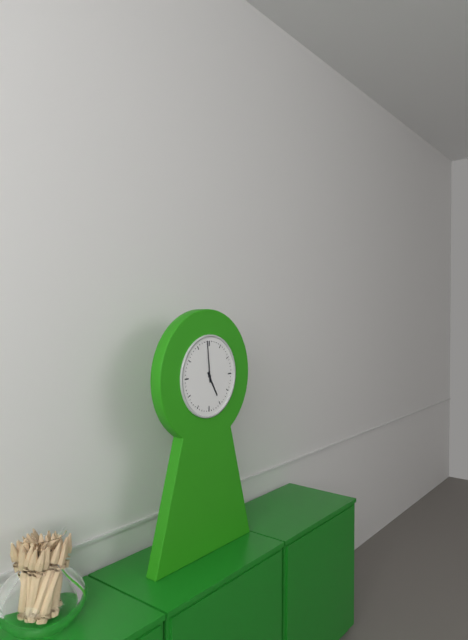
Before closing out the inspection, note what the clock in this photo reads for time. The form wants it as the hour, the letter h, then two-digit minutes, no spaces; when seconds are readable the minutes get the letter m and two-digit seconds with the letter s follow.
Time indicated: 4h59
